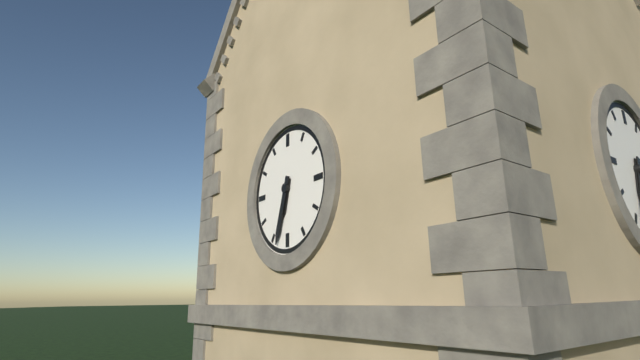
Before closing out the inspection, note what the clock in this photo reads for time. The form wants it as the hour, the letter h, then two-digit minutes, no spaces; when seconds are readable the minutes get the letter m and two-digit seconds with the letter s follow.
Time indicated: 6h33
